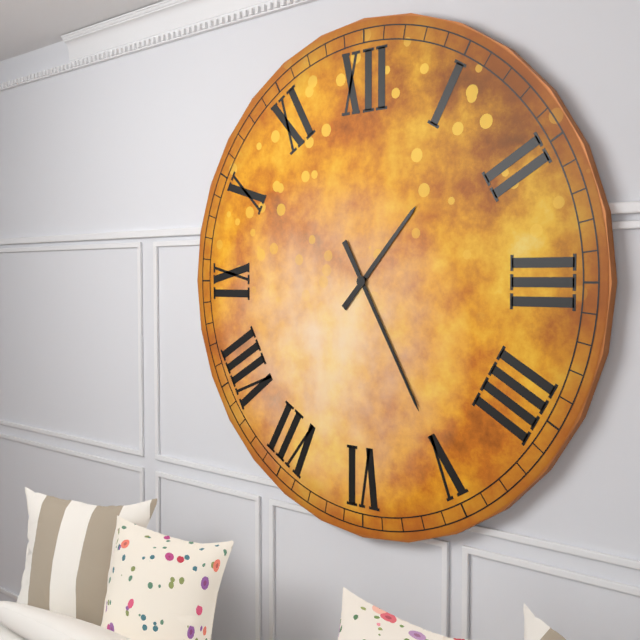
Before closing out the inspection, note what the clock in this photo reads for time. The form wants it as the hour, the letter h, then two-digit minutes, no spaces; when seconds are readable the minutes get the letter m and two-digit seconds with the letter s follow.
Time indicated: 1h25
